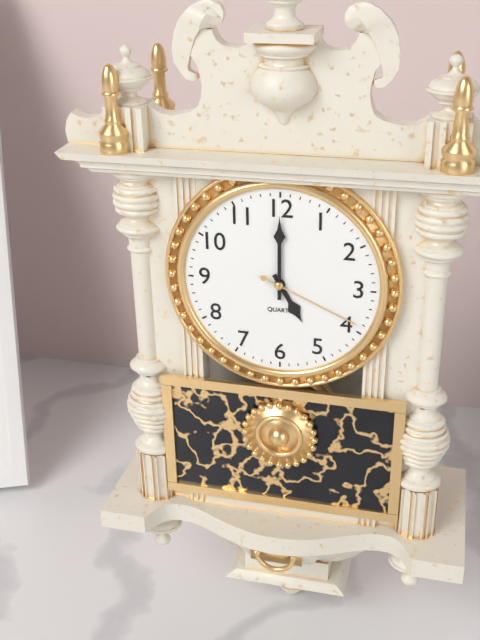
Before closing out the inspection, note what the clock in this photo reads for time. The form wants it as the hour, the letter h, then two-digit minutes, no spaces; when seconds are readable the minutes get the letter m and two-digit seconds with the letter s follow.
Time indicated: 5h00m19s
